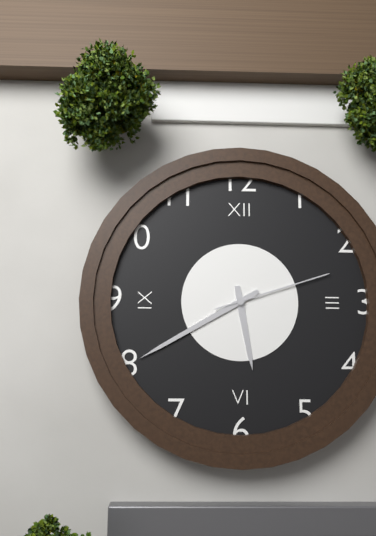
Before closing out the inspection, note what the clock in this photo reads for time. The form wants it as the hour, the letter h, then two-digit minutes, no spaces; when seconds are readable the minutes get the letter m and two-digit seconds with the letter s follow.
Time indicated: 5h40m12s
